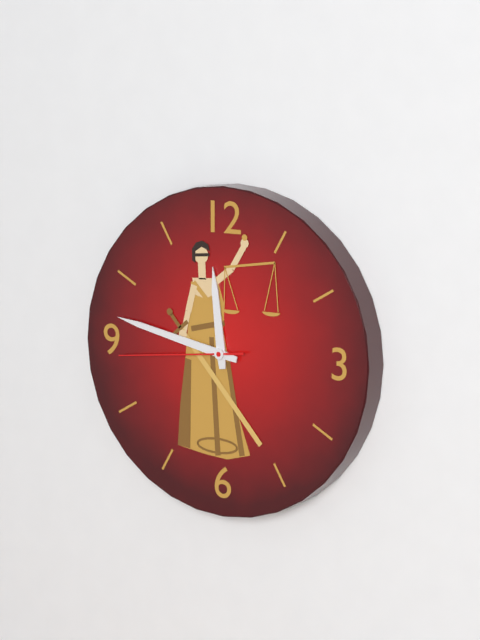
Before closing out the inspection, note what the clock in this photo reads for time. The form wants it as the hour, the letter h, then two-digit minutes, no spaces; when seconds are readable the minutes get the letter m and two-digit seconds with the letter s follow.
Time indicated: 11h47m44s
